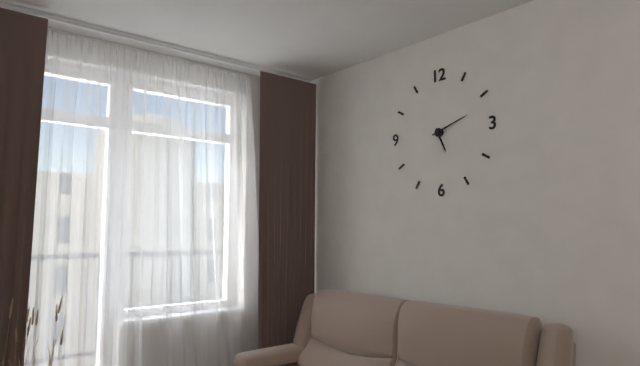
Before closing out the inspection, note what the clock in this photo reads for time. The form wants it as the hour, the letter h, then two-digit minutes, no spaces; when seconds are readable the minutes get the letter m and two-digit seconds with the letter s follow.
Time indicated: 5h12
